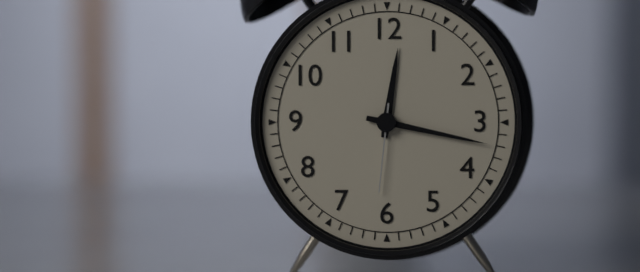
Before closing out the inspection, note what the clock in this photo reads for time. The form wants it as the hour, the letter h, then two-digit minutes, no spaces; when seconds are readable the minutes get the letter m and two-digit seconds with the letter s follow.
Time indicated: 12h17m31s
